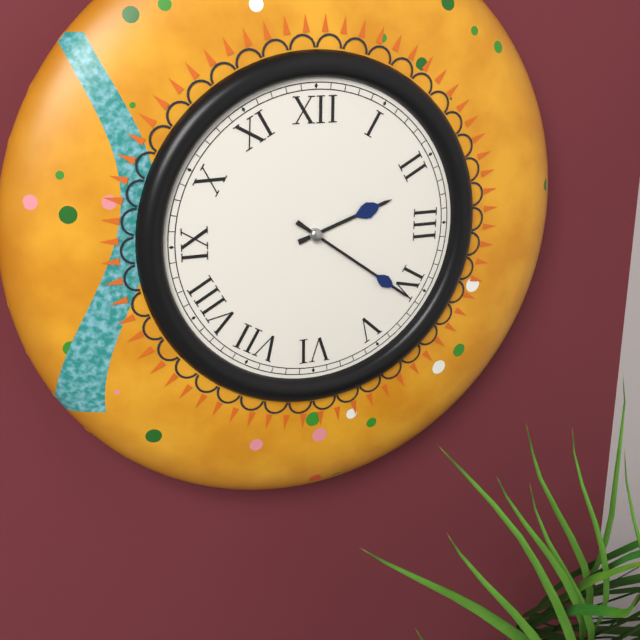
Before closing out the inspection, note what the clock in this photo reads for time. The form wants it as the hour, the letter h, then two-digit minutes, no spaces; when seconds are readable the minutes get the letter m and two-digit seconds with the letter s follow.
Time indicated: 2h21
